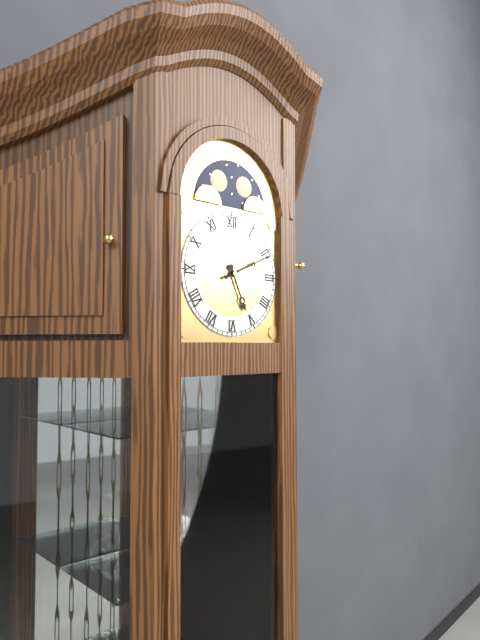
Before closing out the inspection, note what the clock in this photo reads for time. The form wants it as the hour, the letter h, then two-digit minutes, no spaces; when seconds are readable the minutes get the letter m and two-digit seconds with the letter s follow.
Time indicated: 5h11
